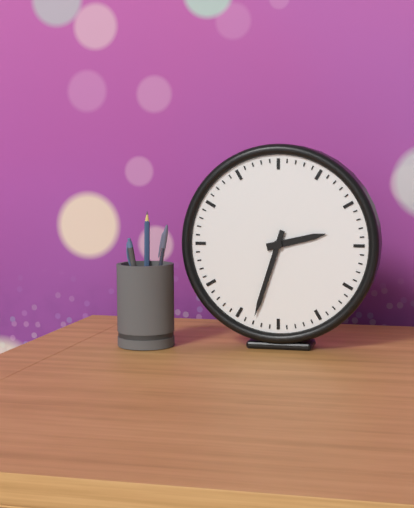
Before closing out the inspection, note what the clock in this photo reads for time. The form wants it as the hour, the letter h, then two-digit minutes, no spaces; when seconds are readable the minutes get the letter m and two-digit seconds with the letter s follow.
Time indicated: 2h33
